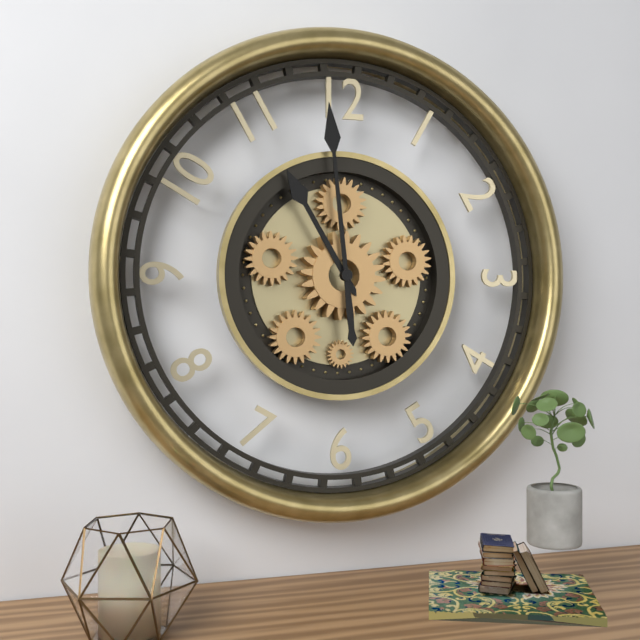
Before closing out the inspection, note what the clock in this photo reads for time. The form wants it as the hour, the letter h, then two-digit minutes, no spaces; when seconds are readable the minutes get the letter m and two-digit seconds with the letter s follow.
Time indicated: 10h59
